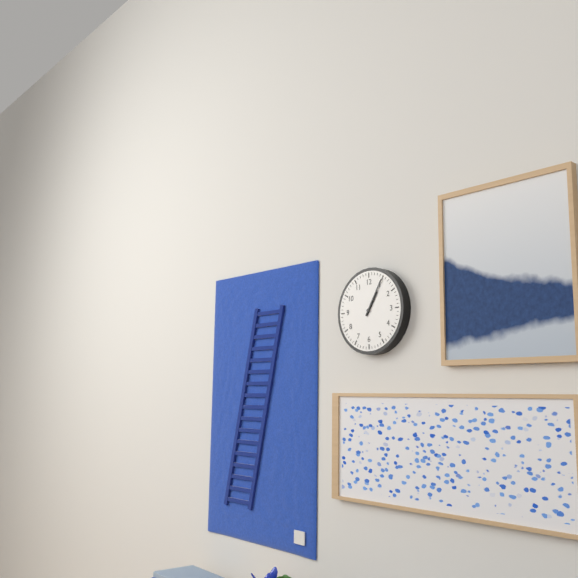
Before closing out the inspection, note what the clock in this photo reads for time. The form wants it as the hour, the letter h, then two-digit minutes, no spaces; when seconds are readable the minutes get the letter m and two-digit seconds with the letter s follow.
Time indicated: 1h05
